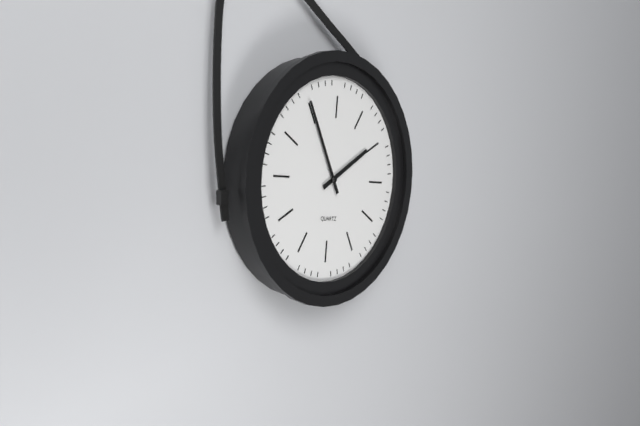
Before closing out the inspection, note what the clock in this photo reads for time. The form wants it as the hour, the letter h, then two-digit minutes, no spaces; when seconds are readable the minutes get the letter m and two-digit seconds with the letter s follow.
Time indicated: 1h55
